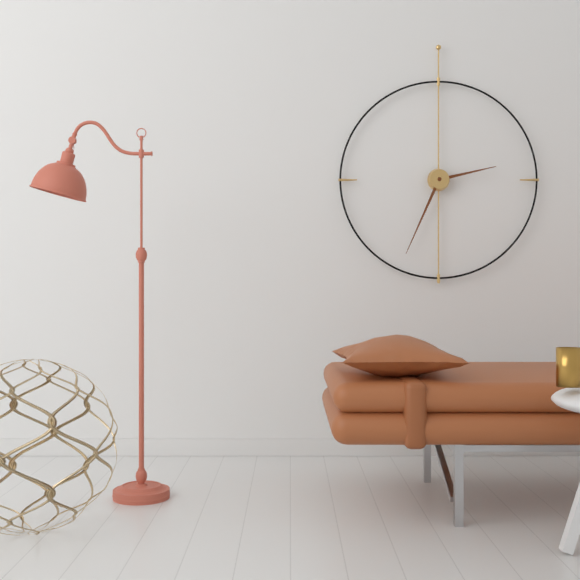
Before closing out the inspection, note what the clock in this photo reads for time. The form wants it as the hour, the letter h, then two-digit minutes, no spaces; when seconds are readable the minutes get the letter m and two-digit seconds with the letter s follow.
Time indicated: 2h34
